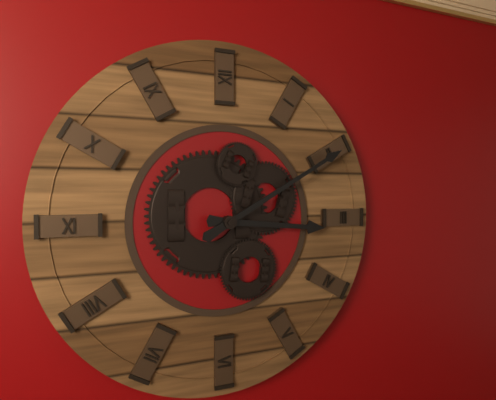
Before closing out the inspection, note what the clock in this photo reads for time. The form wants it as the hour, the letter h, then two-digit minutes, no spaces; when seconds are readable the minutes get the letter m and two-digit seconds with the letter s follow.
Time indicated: 3h10
